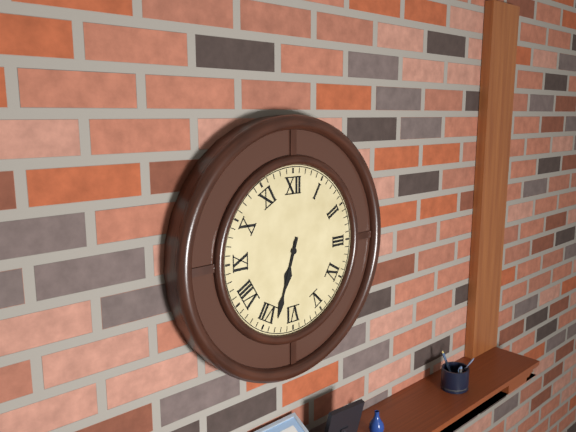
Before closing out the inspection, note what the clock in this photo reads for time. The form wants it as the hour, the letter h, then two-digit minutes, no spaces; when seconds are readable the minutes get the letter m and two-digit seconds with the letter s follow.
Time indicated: 6h33
